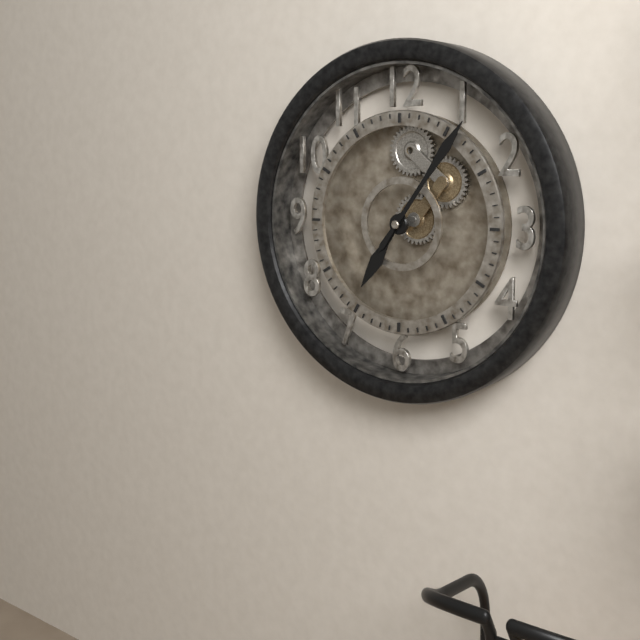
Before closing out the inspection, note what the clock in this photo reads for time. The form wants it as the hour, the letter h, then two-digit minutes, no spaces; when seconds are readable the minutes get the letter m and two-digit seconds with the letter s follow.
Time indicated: 7h06
